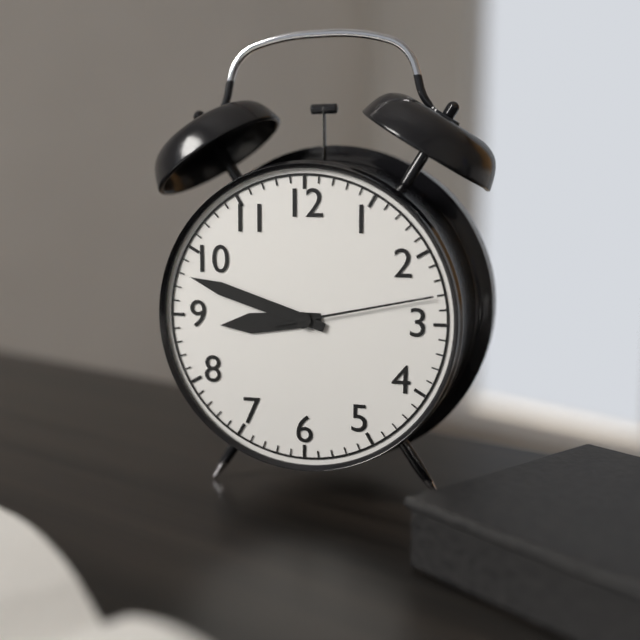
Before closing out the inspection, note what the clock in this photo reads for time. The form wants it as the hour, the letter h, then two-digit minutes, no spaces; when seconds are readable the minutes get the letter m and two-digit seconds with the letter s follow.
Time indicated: 8h48m13s
